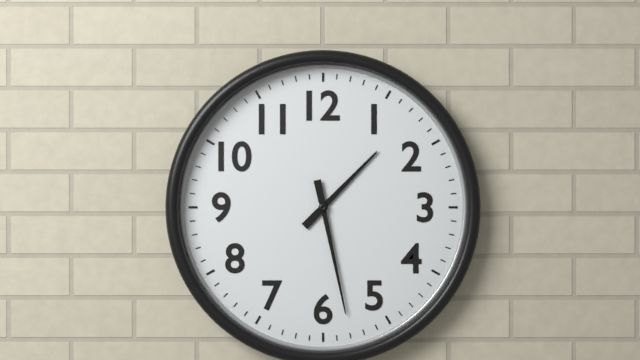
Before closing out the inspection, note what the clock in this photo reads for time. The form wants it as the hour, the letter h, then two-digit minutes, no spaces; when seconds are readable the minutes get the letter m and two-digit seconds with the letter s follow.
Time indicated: 1h28
